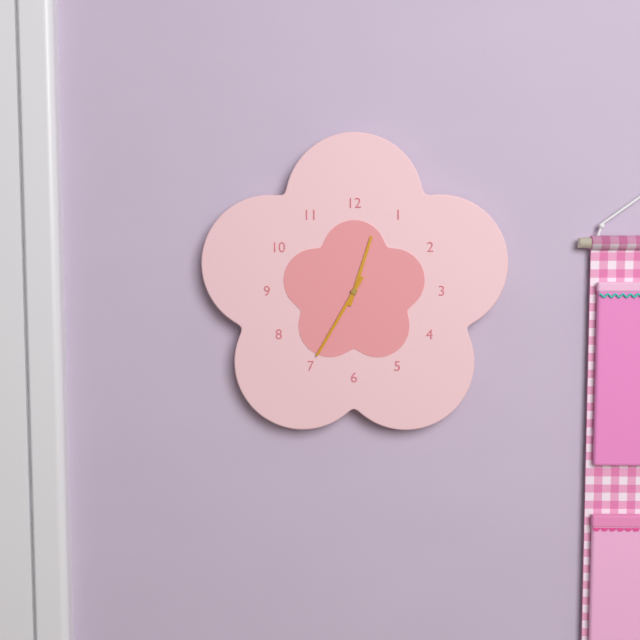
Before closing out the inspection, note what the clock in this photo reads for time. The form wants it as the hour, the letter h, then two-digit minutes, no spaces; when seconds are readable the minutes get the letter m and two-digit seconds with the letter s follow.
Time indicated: 12h35
